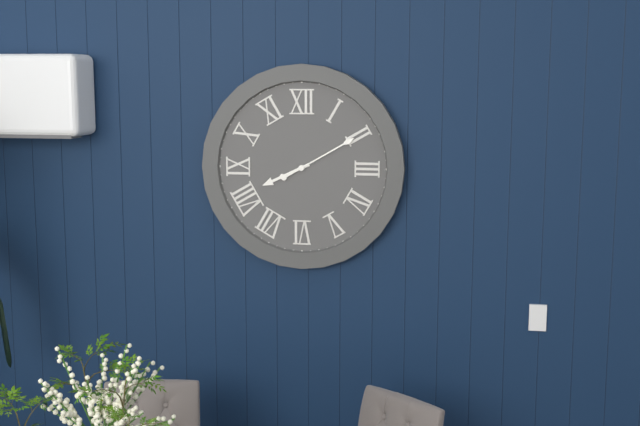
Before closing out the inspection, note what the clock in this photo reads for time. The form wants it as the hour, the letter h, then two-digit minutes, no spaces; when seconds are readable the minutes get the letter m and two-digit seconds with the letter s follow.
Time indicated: 8h10
